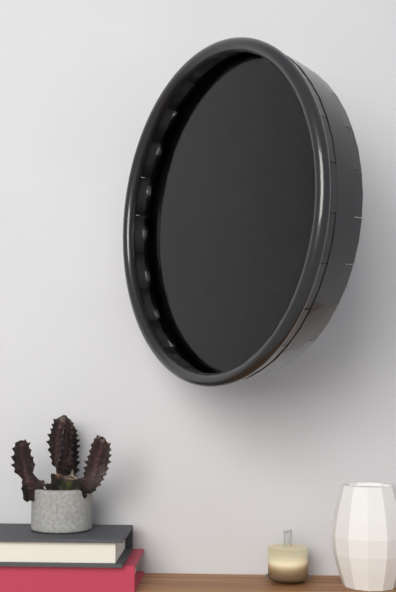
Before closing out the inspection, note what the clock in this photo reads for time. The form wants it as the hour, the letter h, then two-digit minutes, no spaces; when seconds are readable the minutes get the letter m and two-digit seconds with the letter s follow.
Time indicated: 6h24
